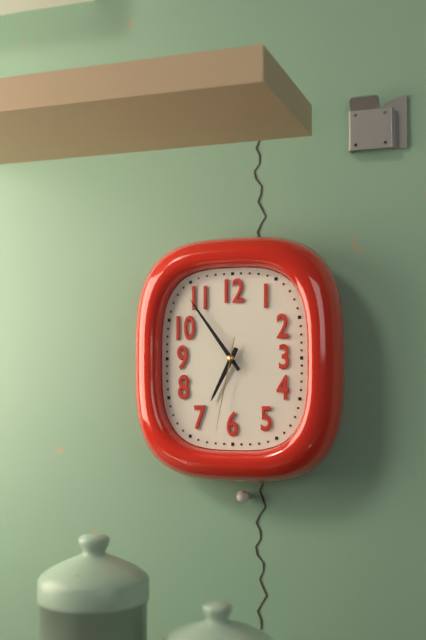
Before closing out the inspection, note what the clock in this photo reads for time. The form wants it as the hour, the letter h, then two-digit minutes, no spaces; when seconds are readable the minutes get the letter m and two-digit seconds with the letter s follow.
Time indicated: 6h54m32s
